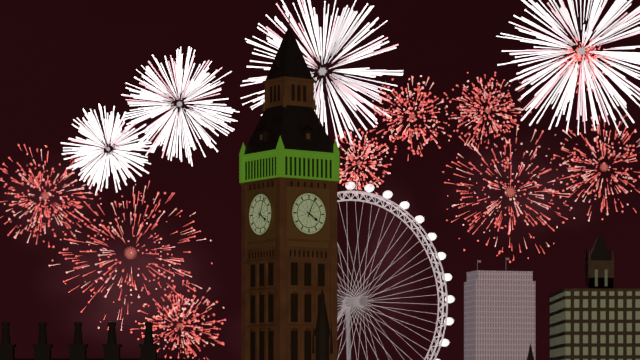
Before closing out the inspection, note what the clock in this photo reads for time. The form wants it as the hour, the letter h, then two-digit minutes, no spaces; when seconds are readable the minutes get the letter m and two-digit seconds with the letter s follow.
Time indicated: 4h04
